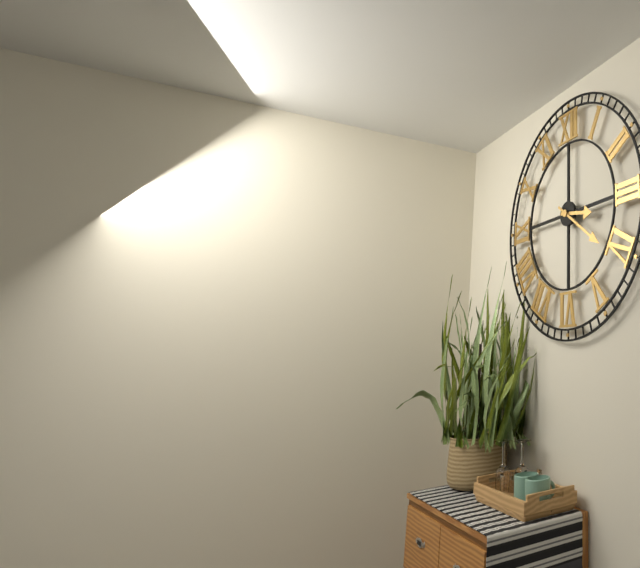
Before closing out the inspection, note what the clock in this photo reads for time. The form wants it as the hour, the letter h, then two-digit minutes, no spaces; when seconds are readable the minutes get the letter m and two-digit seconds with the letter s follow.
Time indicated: 3h21
